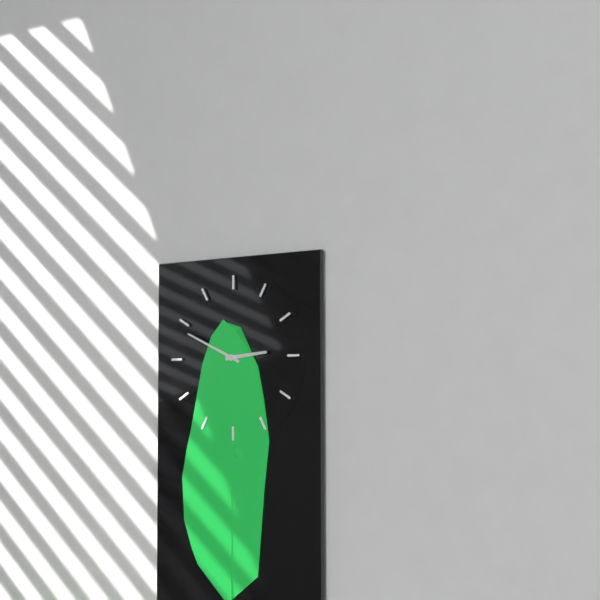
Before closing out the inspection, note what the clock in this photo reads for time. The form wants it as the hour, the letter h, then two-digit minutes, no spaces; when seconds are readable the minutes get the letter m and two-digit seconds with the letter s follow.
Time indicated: 2h49
